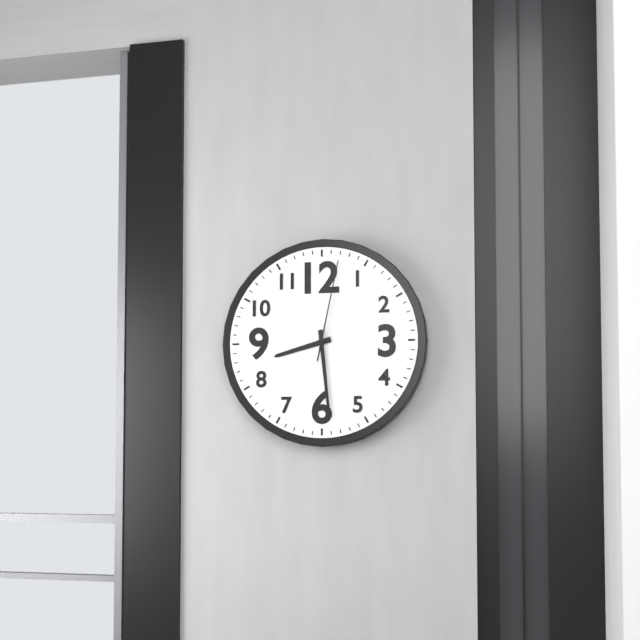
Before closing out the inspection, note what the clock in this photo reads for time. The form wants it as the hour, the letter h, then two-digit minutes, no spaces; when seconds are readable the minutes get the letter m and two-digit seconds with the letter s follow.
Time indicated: 8h29m02s
